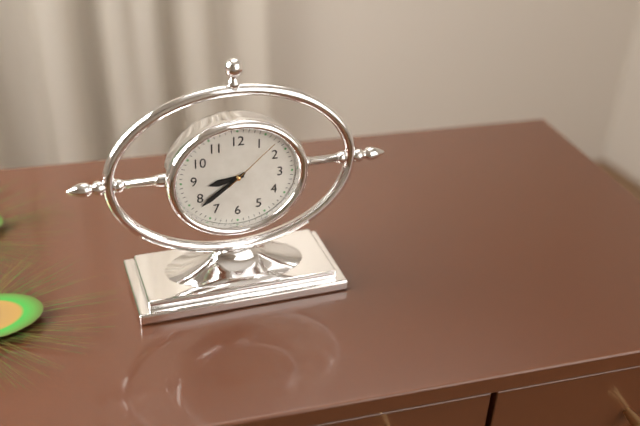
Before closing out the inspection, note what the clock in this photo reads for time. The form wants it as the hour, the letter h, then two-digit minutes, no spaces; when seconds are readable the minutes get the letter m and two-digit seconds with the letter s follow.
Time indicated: 8h39m08s
